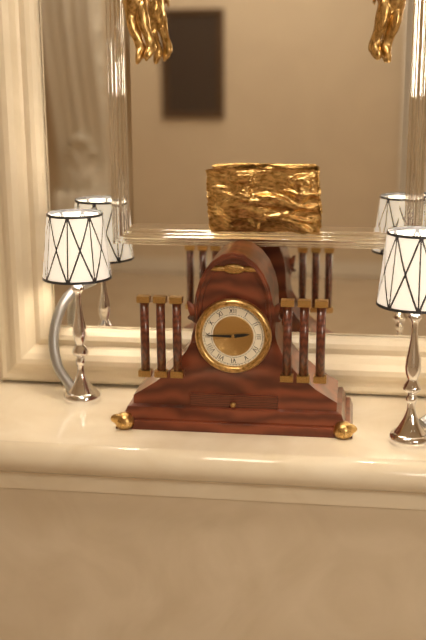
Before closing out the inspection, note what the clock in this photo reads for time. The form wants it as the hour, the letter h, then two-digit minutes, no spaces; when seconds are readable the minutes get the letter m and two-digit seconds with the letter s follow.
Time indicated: 2h45
